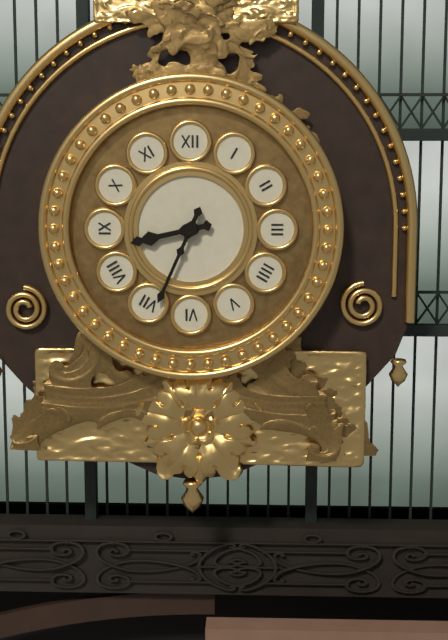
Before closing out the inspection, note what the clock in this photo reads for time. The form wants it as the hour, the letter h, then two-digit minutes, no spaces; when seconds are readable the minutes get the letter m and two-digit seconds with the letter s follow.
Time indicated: 8h34
